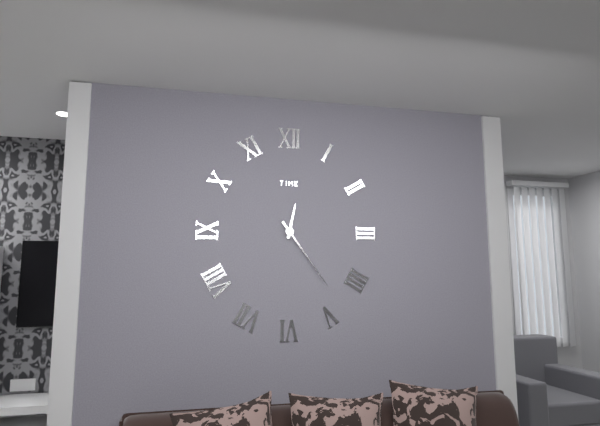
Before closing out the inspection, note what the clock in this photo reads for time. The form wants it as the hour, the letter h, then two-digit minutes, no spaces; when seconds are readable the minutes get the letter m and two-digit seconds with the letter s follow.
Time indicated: 12h24
